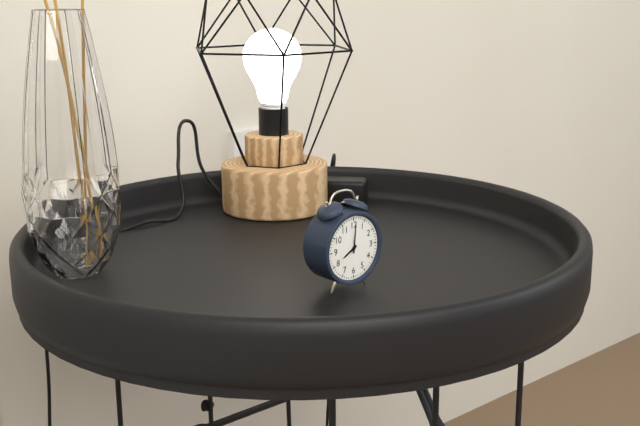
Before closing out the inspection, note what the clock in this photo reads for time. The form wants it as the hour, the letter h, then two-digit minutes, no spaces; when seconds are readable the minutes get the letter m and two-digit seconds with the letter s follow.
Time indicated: 8h01
